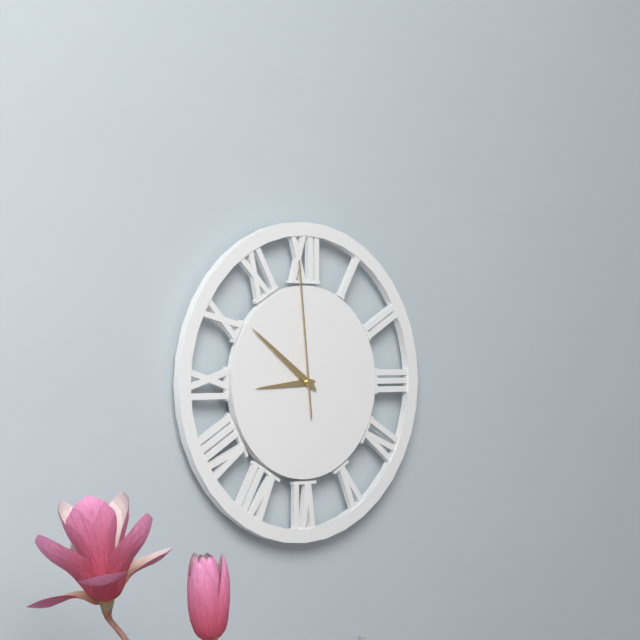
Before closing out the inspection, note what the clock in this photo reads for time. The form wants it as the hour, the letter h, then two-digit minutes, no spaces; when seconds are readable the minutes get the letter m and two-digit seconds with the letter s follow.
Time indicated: 8h51m59s
